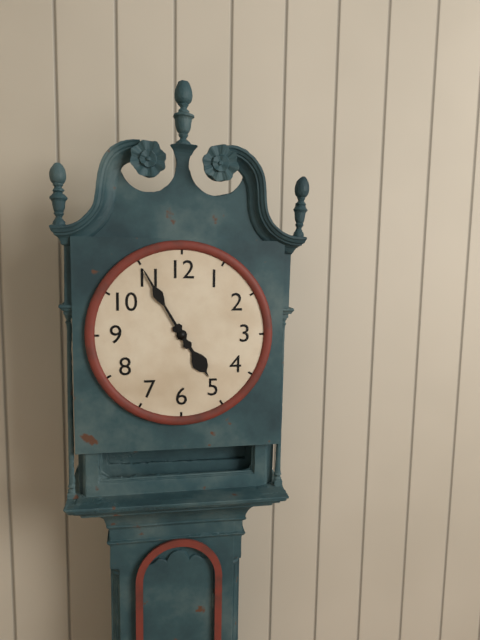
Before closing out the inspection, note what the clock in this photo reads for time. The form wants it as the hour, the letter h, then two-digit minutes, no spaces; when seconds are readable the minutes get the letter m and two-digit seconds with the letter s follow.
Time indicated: 4h55
